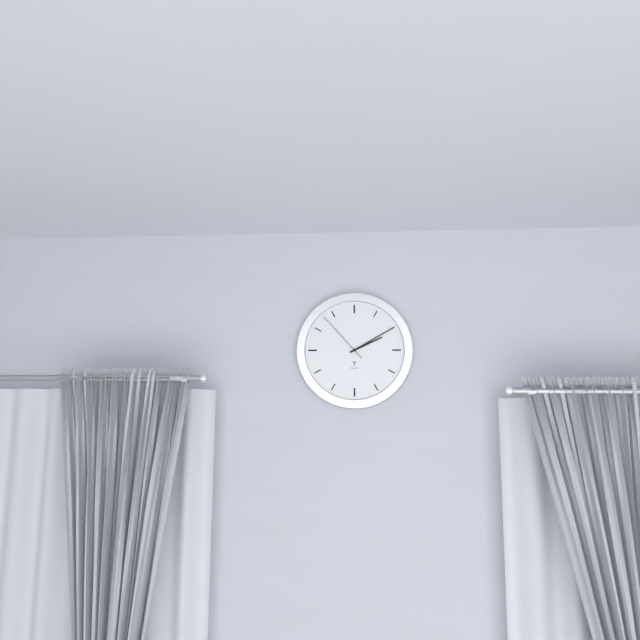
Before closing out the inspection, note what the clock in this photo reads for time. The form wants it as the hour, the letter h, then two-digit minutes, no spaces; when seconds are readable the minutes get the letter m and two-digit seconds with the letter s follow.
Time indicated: 2h10m53s
